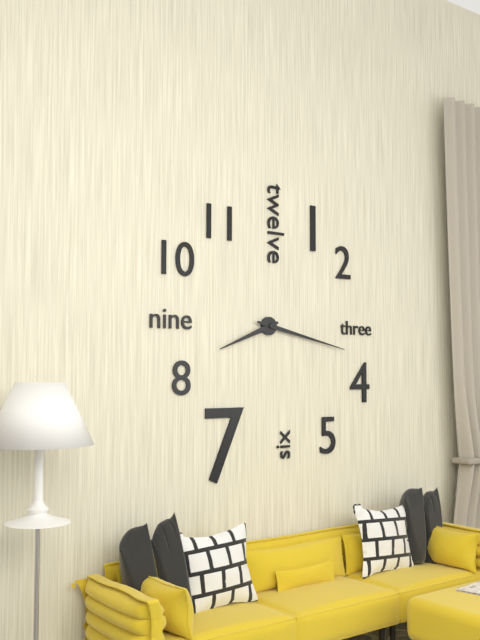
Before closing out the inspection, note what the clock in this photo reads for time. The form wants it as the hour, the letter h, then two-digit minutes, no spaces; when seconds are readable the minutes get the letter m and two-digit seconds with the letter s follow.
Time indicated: 8h17
